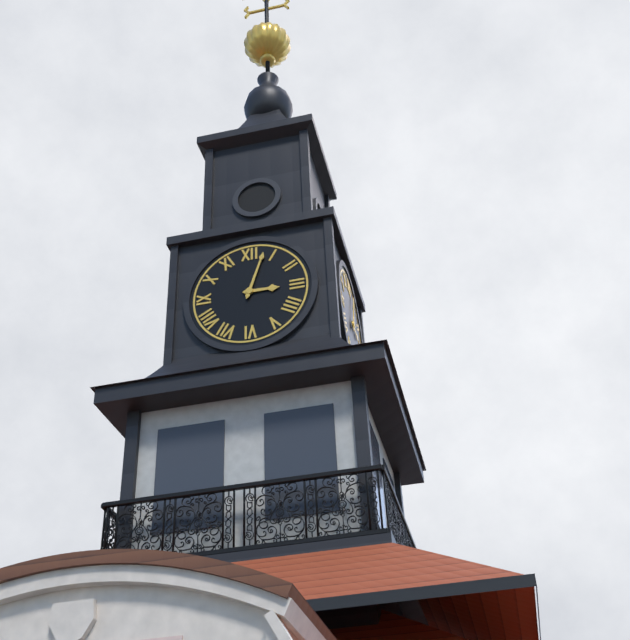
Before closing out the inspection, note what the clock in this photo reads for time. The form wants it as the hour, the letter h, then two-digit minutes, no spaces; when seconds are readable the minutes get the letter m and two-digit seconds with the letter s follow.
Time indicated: 3h03
